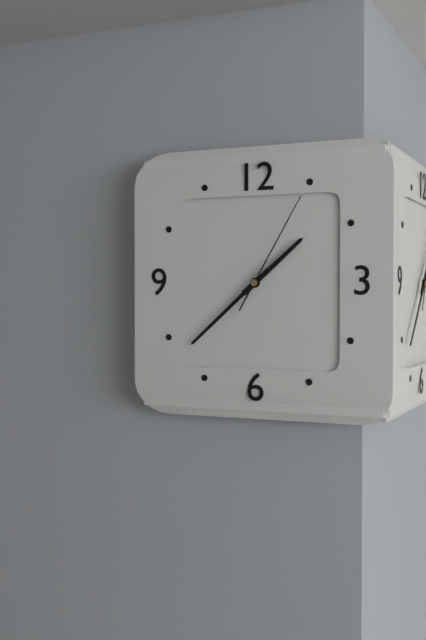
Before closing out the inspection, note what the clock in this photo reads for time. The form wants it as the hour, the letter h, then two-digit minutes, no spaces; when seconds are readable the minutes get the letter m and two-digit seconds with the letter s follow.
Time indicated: 1h38m05s
